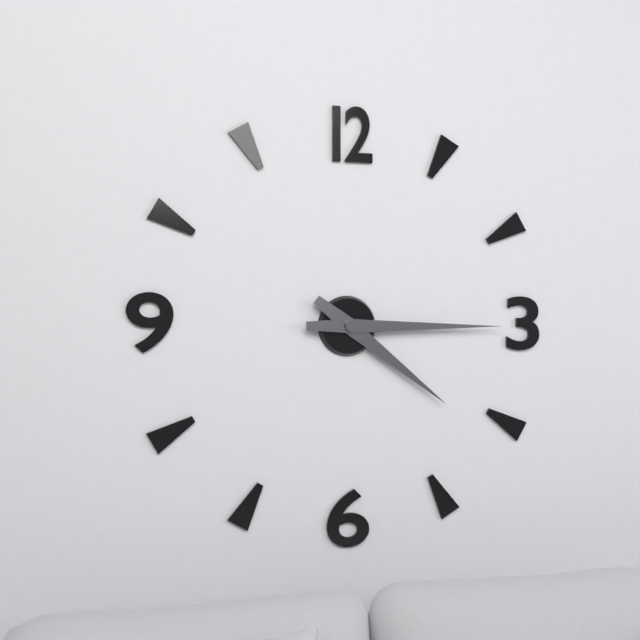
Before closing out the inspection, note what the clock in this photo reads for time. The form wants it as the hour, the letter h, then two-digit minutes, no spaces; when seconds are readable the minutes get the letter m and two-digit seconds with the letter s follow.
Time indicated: 4h15
